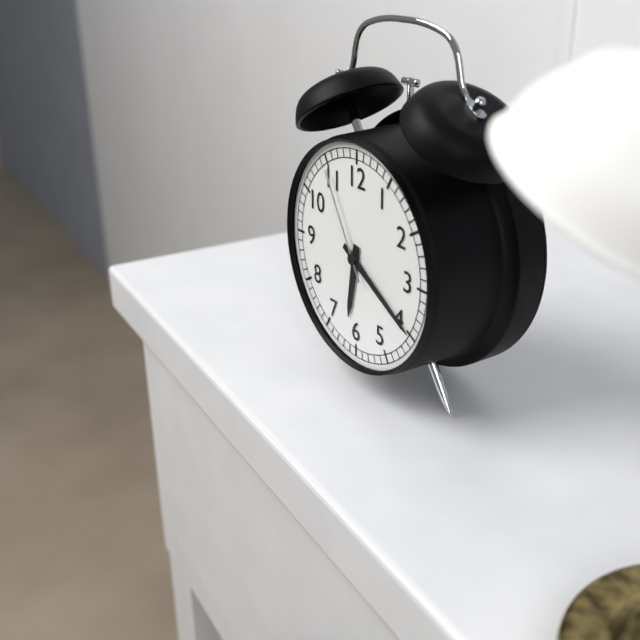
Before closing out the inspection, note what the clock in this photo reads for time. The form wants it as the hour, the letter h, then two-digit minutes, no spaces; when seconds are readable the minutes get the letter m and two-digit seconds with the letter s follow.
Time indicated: 6h20m55s
